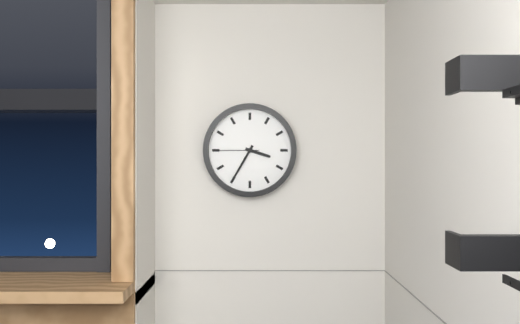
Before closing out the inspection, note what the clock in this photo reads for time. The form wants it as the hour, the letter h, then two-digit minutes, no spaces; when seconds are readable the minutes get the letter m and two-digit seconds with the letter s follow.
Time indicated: 3h35
